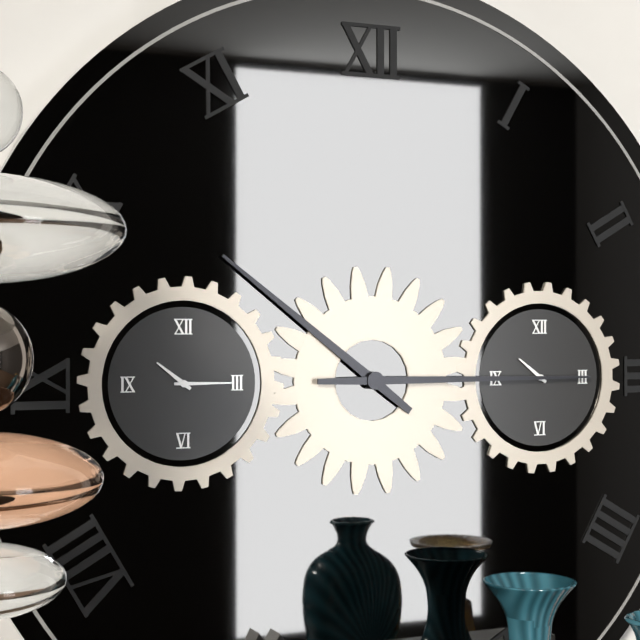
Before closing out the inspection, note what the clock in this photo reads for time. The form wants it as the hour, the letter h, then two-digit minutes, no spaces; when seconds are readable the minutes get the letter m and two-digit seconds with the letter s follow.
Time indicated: 10h15
